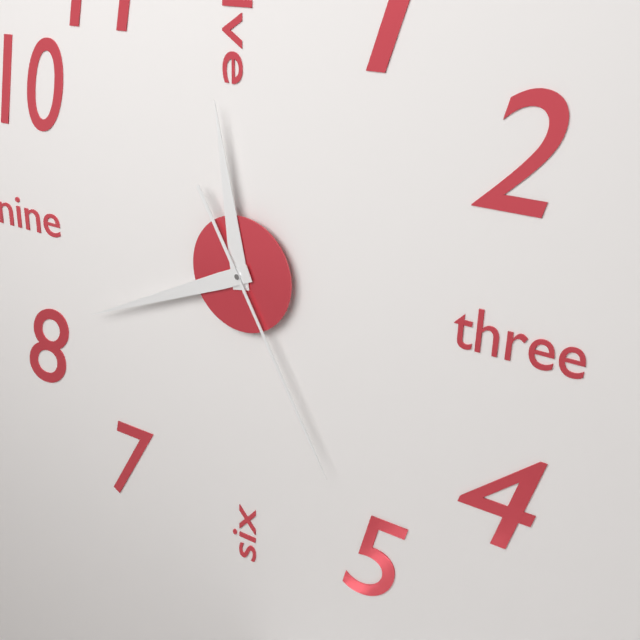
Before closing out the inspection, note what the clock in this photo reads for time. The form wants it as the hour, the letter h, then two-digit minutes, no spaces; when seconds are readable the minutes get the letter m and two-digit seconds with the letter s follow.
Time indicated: 11h41m25s
